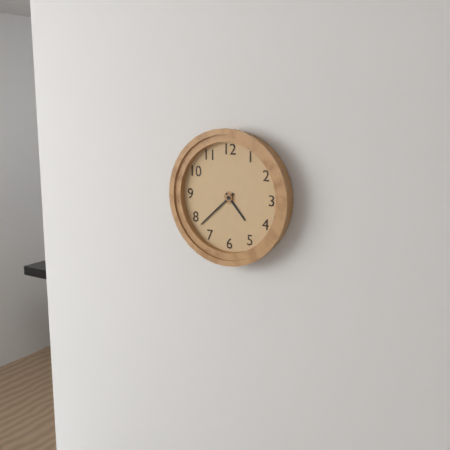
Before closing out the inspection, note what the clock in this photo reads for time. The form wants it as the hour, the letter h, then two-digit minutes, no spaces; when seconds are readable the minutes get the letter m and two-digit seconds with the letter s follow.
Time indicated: 4h38
